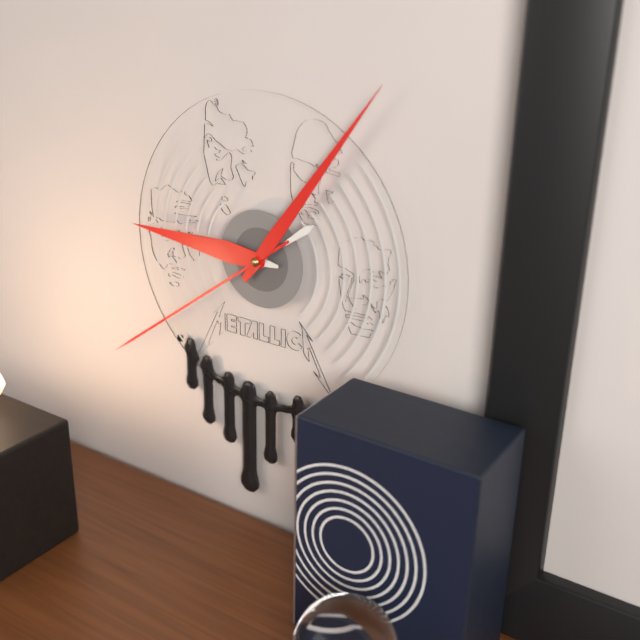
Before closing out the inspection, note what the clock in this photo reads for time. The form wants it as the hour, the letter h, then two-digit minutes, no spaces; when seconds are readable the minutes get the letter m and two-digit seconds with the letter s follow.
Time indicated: 9h06m39s
